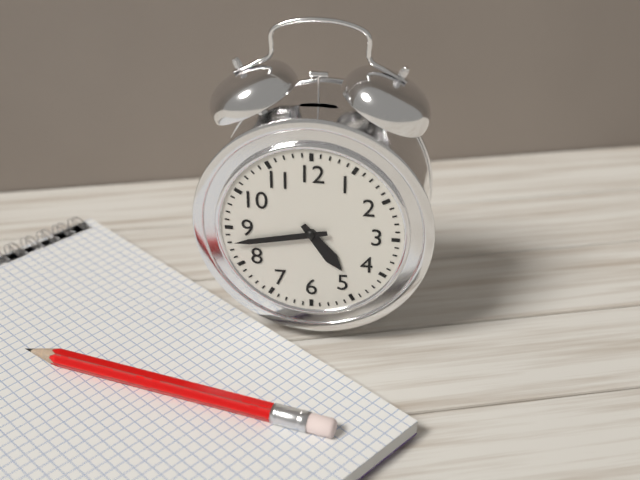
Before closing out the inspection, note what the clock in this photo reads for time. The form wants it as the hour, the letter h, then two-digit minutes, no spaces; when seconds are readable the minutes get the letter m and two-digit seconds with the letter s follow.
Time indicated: 4h43
